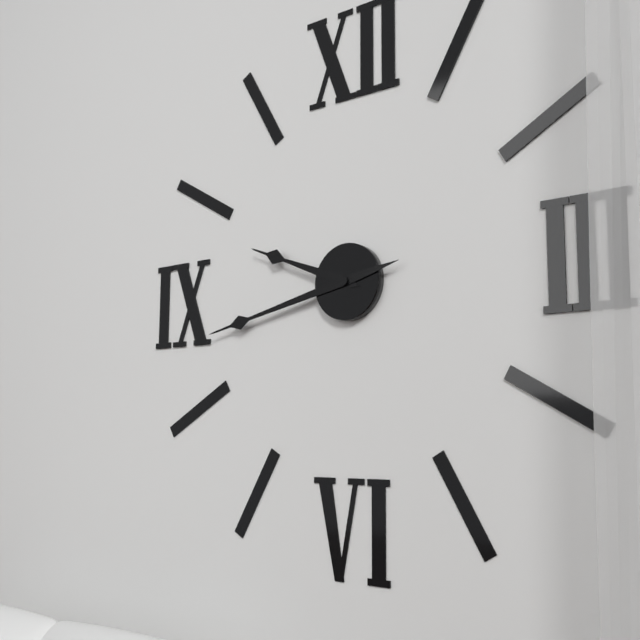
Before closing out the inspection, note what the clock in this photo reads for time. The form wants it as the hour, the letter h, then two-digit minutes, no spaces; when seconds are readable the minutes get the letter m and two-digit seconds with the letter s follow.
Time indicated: 9h43
